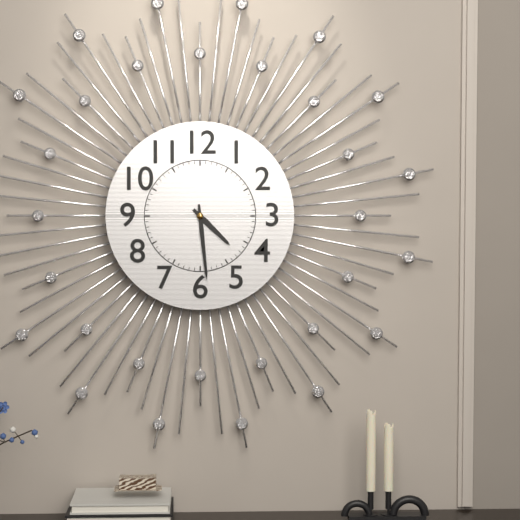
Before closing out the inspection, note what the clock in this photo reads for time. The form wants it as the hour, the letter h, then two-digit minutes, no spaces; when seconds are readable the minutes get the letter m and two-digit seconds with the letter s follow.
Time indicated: 4h29
